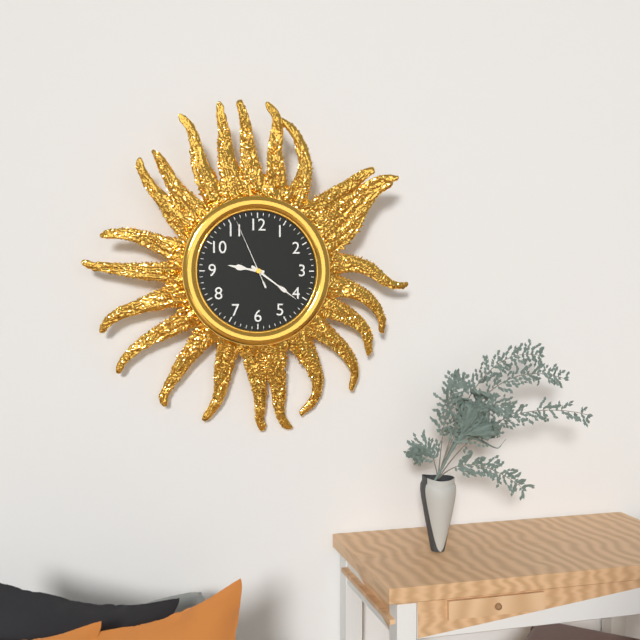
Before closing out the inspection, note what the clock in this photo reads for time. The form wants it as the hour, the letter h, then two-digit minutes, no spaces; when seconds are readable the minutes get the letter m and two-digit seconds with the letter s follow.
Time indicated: 9h21m56s
